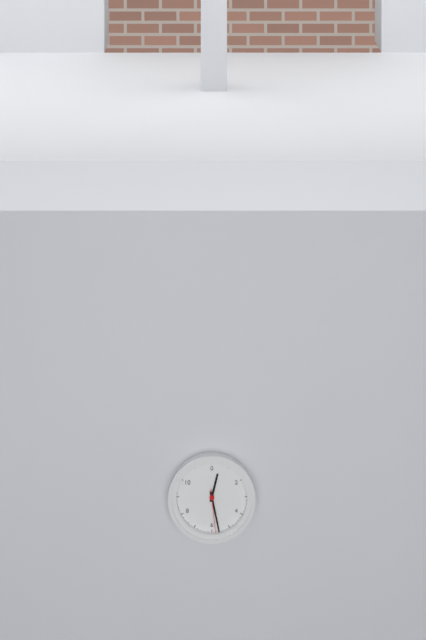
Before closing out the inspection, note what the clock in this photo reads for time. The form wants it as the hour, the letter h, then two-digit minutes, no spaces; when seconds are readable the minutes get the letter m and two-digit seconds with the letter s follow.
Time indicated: 12h28
